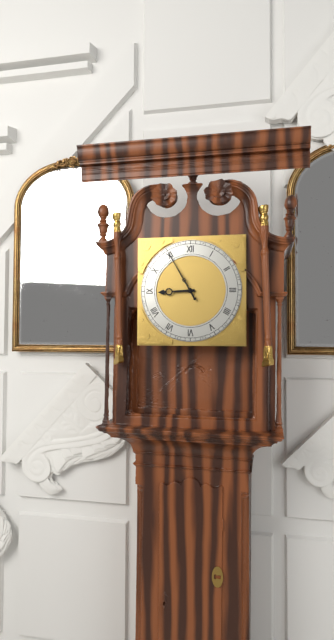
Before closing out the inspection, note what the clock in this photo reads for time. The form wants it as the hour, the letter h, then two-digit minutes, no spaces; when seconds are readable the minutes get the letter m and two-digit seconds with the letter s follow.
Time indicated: 8h55
